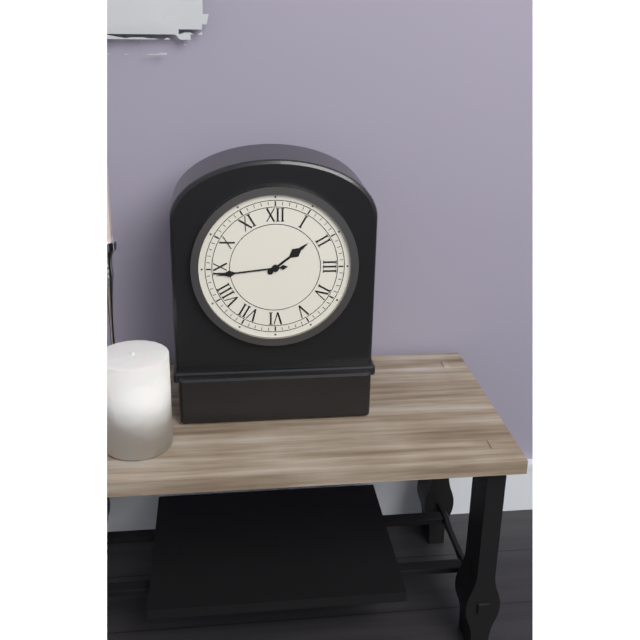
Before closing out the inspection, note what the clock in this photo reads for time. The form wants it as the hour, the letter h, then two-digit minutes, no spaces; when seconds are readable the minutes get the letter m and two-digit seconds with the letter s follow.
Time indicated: 1h44
